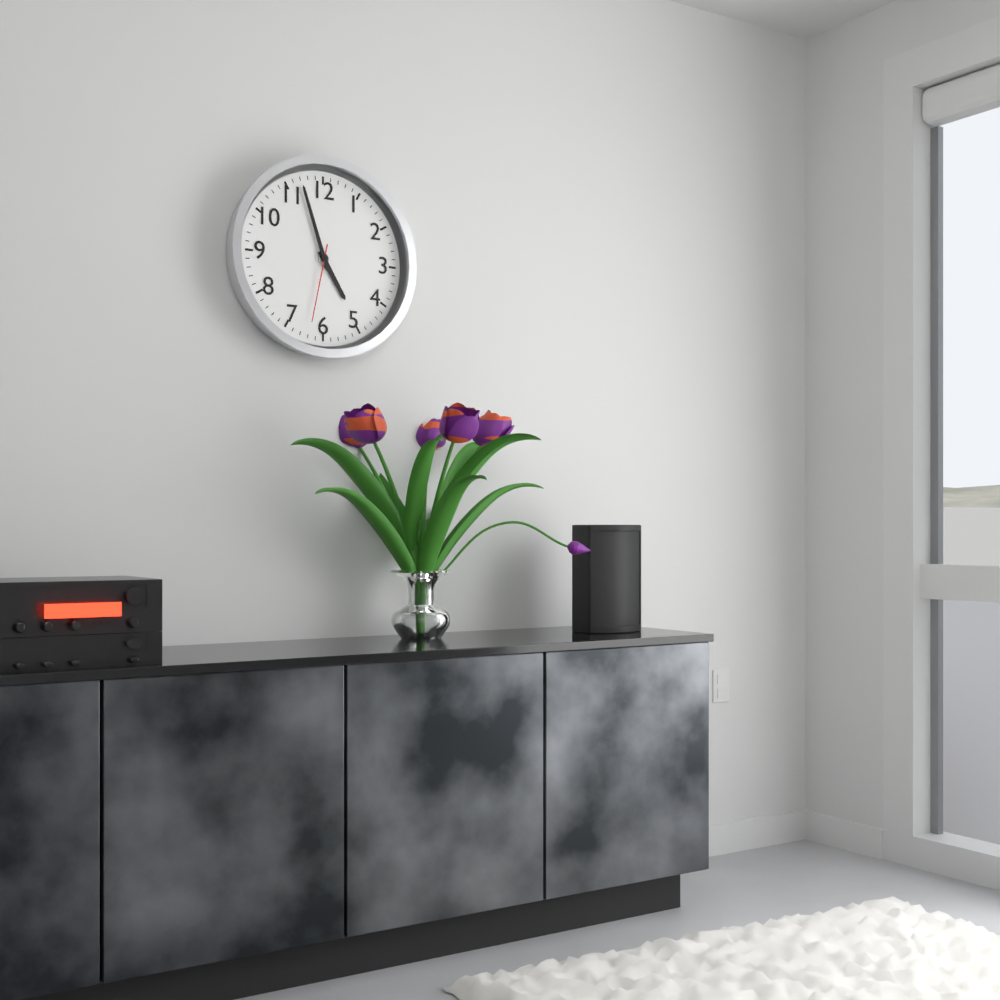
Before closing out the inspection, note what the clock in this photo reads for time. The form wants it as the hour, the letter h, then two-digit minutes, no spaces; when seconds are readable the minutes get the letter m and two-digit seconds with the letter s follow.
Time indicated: 4h57m32s
